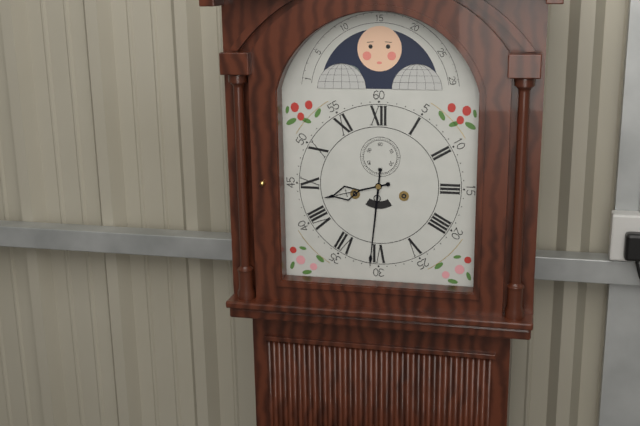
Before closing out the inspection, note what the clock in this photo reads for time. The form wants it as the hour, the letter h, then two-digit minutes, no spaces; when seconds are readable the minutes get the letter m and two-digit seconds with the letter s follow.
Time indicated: 8h31
